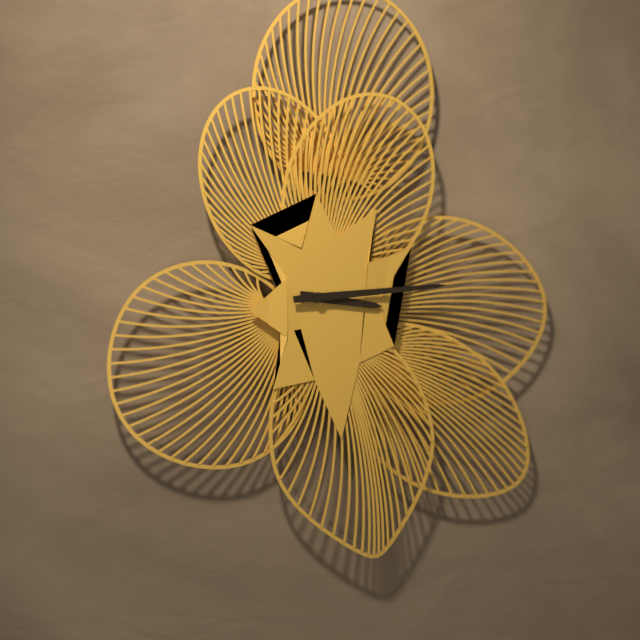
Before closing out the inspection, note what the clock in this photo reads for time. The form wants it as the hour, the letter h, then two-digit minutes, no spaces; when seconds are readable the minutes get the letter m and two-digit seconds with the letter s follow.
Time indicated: 3h14
